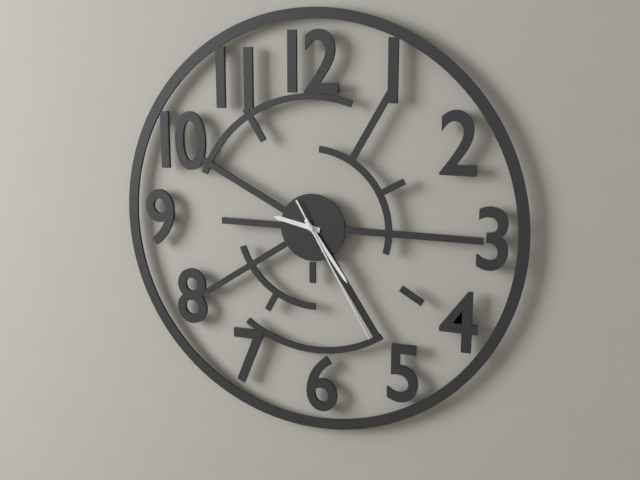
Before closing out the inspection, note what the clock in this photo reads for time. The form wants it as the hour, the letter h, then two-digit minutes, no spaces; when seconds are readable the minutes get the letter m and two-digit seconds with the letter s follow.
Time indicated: 9h24m25s
